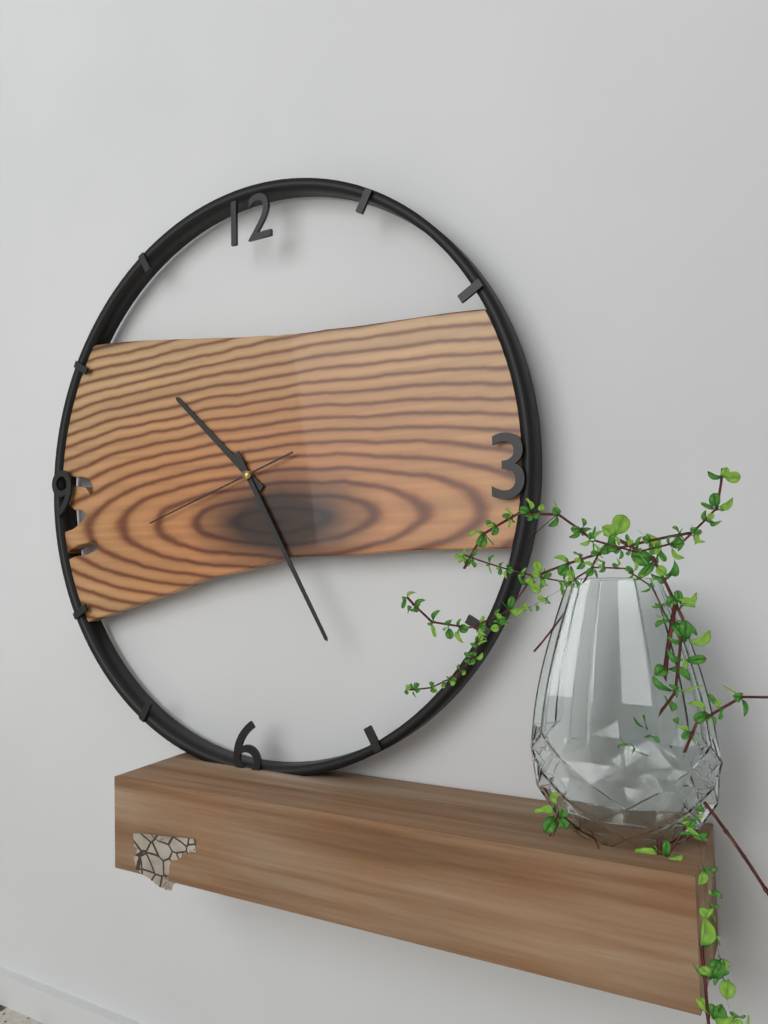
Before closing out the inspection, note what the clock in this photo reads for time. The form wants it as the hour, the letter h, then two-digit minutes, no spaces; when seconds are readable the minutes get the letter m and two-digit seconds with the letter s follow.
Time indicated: 10h25m42s
